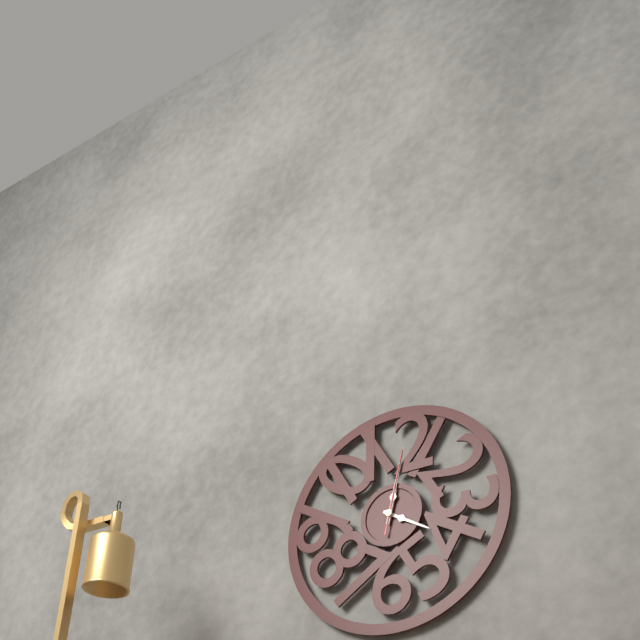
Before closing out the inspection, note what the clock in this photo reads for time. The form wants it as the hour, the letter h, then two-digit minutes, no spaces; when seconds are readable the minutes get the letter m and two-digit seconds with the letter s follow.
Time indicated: 4h02m02s
